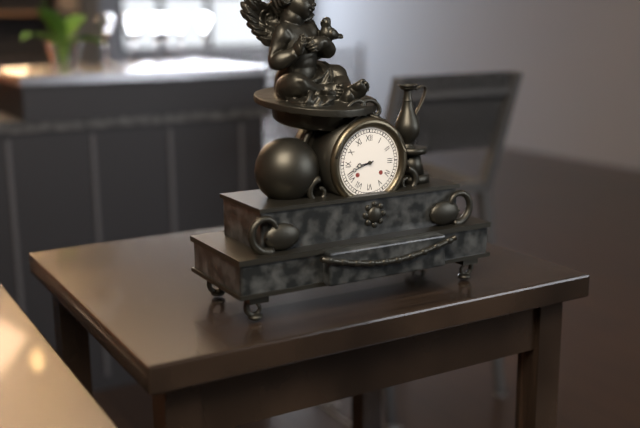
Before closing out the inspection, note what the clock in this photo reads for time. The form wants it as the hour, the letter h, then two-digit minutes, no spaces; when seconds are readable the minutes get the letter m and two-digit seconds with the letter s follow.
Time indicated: 8h42
